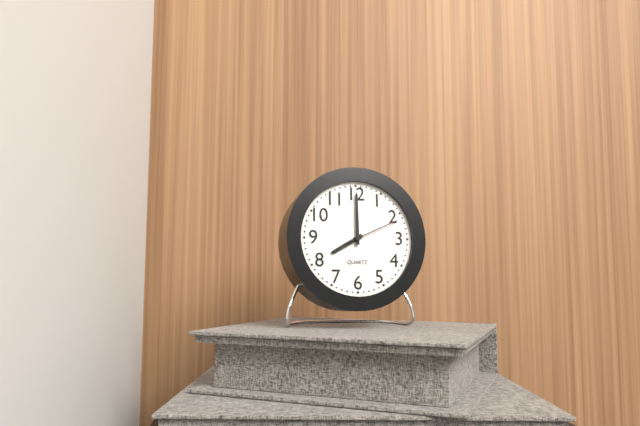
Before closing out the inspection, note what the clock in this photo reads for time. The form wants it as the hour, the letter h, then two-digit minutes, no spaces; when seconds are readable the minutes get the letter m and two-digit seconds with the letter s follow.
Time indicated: 8h00m11s
